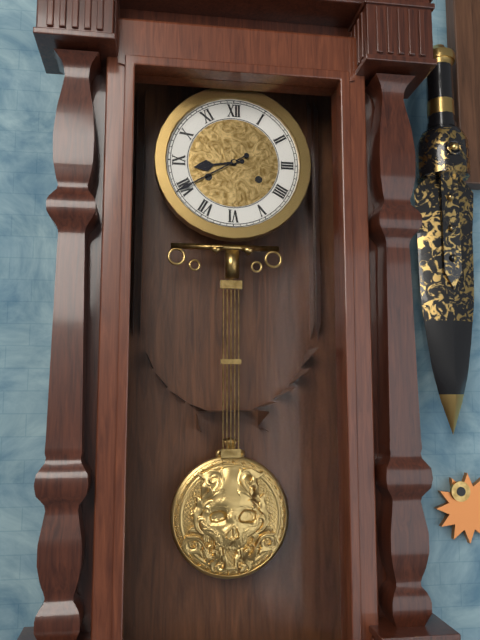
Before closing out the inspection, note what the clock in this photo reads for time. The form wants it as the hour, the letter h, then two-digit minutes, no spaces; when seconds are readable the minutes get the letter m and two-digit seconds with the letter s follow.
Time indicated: 8h40
